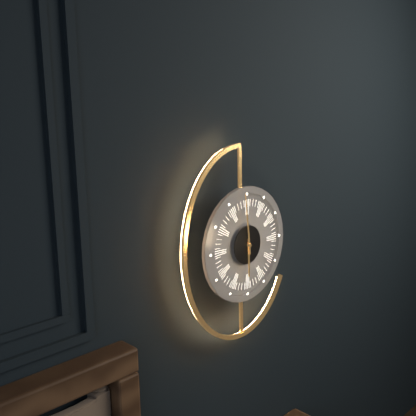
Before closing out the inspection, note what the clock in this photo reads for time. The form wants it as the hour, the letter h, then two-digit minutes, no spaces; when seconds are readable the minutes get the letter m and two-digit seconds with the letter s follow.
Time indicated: 5h59
